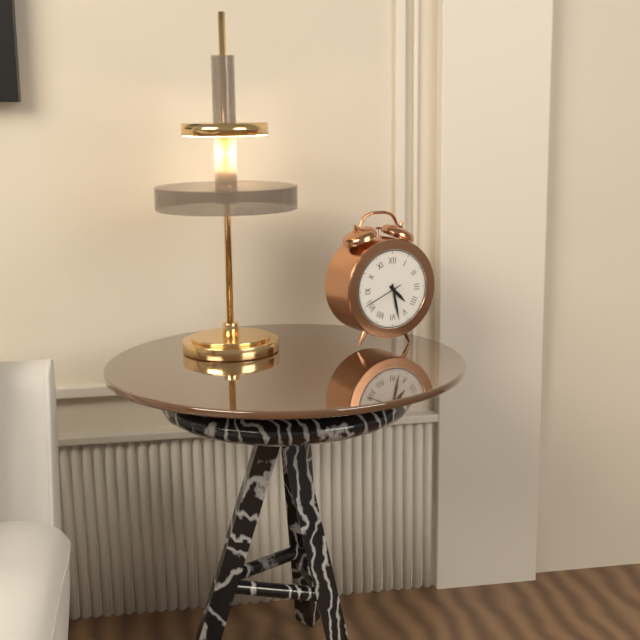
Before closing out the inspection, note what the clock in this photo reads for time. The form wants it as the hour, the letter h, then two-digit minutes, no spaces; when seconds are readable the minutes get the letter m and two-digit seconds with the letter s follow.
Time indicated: 4h28
